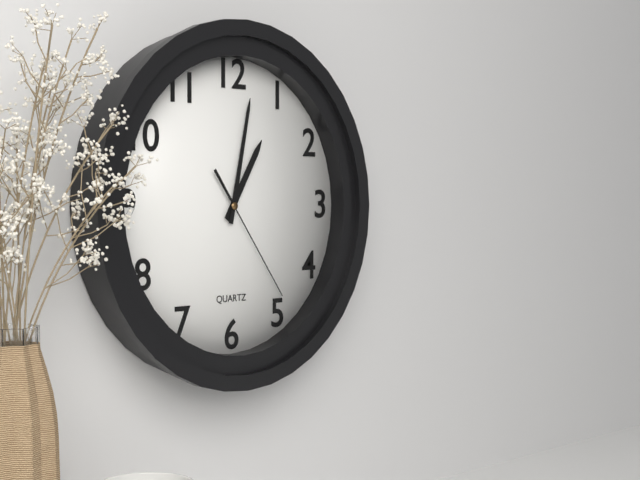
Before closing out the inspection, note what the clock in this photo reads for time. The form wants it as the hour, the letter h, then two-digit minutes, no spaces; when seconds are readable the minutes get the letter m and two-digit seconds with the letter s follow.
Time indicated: 1h02m24s
